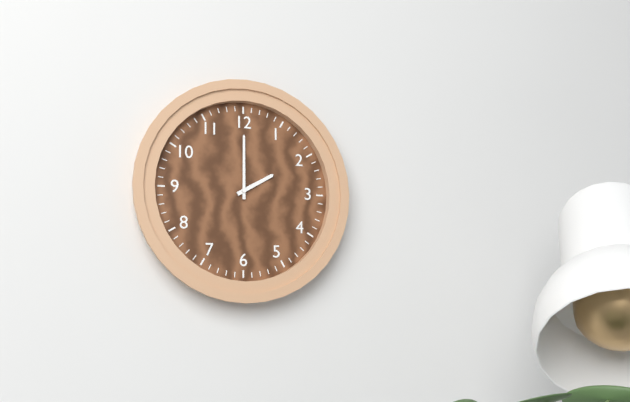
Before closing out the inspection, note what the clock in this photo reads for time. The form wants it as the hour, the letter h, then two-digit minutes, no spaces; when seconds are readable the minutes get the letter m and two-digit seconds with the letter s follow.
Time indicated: 2h00
